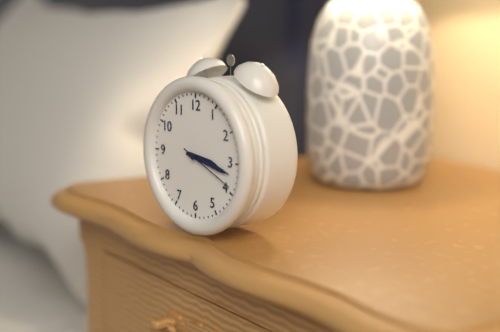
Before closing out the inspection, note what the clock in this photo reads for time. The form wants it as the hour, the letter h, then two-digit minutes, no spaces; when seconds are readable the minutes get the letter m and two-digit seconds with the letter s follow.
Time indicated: 3h17m19s
